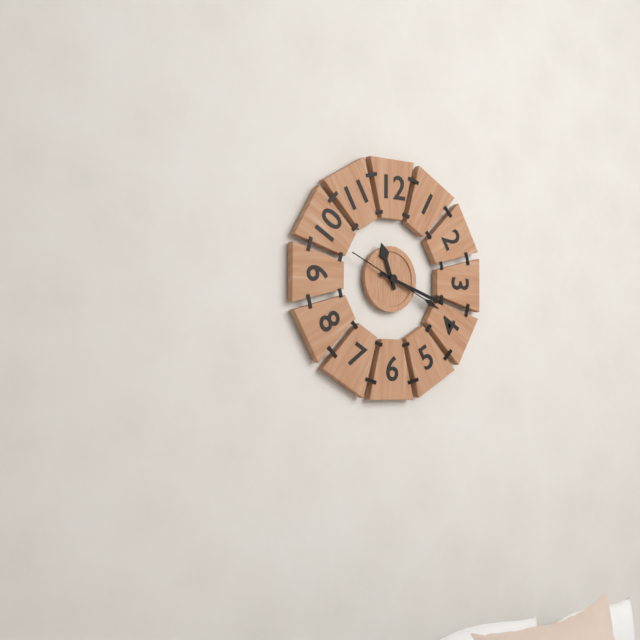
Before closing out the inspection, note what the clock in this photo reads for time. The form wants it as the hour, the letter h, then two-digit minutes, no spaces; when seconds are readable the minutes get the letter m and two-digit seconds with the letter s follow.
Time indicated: 11h18m19s
